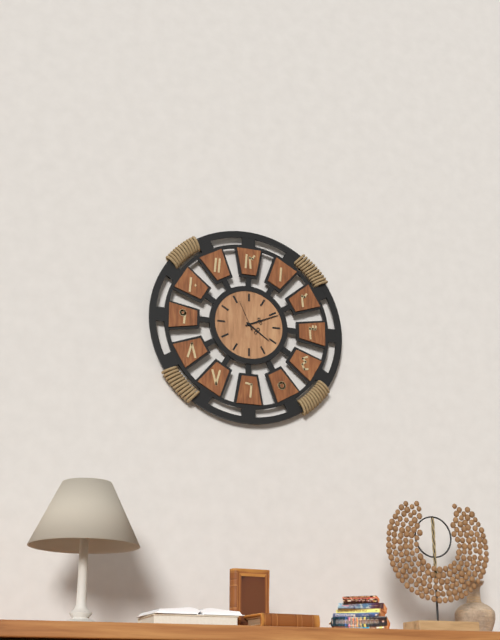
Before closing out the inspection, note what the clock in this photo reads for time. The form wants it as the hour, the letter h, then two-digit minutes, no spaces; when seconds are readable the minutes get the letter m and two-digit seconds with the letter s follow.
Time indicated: 4h11
